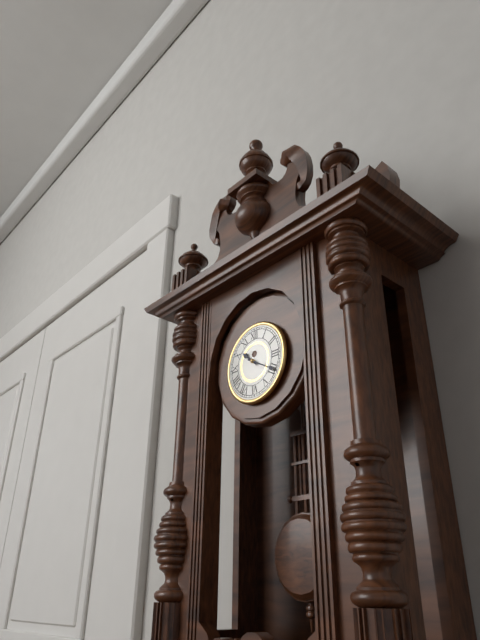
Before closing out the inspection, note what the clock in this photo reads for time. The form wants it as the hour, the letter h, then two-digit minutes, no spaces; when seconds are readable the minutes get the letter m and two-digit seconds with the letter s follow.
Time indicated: 10h20
